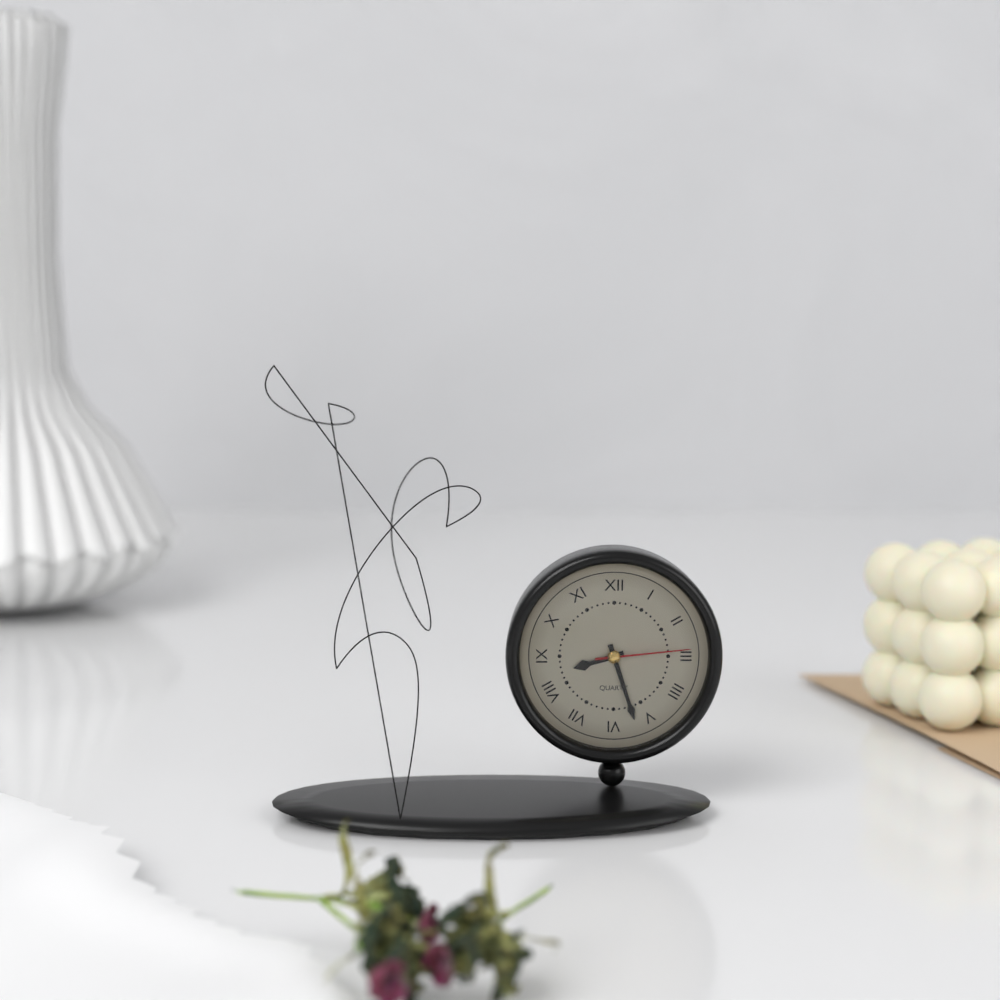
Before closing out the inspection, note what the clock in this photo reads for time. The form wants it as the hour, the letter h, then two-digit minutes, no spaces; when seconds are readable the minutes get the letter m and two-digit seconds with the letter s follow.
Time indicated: 8h27m14s
